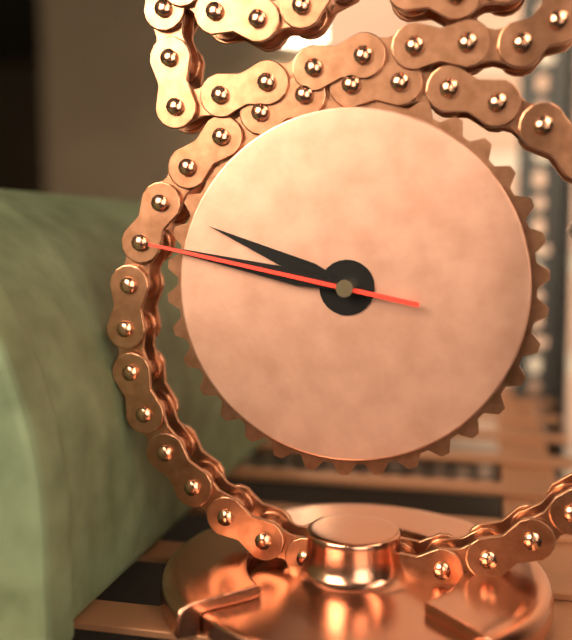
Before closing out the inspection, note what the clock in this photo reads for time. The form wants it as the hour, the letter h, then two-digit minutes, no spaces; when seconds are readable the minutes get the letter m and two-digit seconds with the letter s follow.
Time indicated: 9h47m47s
